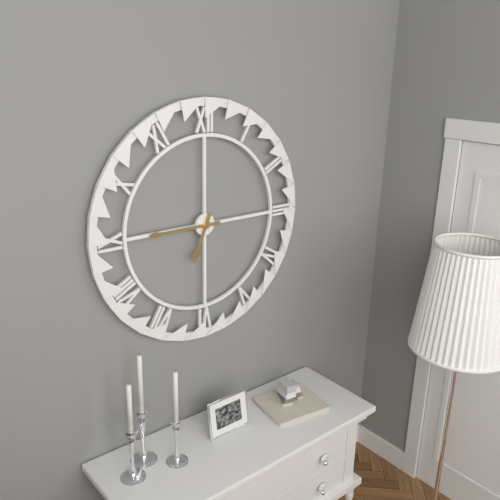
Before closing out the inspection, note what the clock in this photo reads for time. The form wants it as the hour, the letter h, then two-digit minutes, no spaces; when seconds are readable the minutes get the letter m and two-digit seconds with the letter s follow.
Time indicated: 6h45
